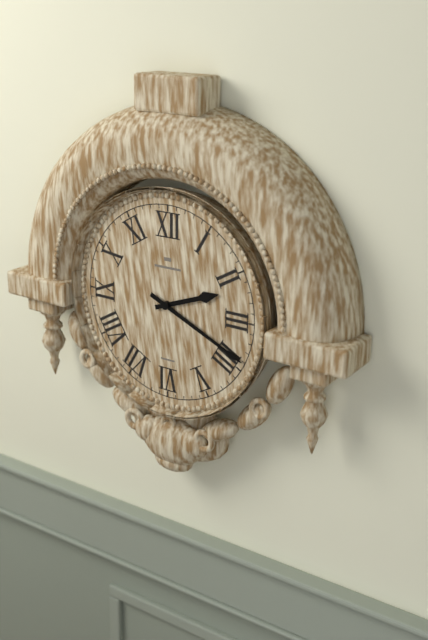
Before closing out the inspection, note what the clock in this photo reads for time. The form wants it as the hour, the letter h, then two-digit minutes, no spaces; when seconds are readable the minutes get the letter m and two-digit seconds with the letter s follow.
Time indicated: 2h19
